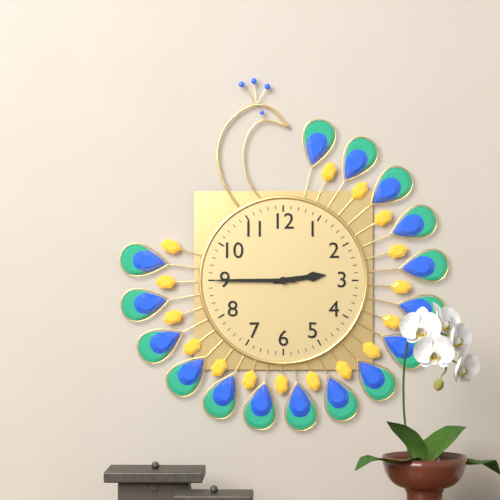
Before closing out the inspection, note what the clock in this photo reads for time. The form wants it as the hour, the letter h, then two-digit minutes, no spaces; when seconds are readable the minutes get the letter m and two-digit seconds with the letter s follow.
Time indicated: 2h45
